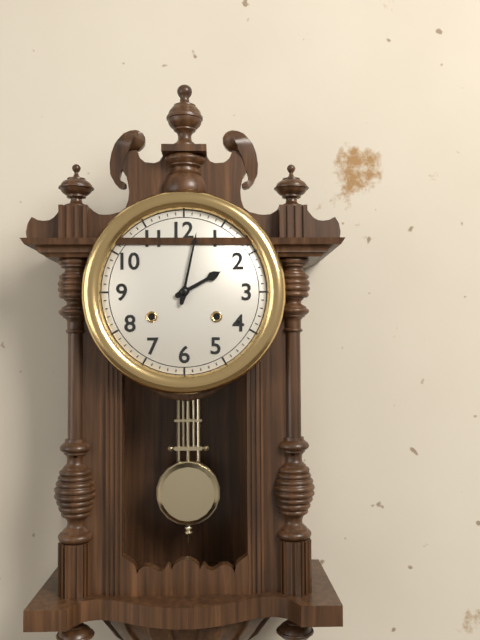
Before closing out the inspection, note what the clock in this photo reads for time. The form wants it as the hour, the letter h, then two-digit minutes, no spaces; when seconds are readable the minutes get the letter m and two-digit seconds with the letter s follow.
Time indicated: 2h02
